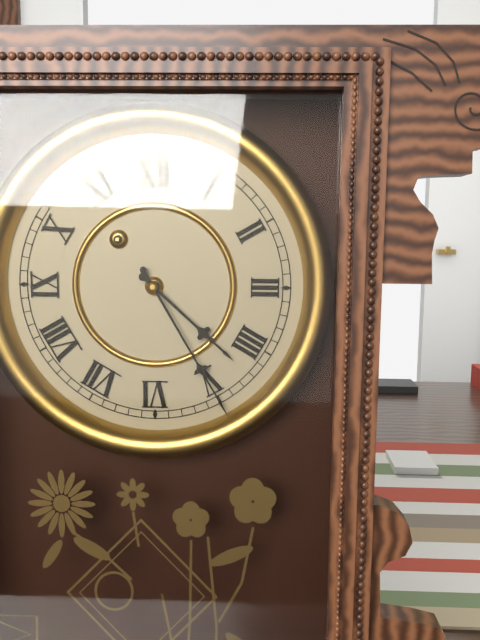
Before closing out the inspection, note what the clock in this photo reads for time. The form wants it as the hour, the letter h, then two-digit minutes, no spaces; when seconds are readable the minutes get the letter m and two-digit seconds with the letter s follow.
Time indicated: 4h25
